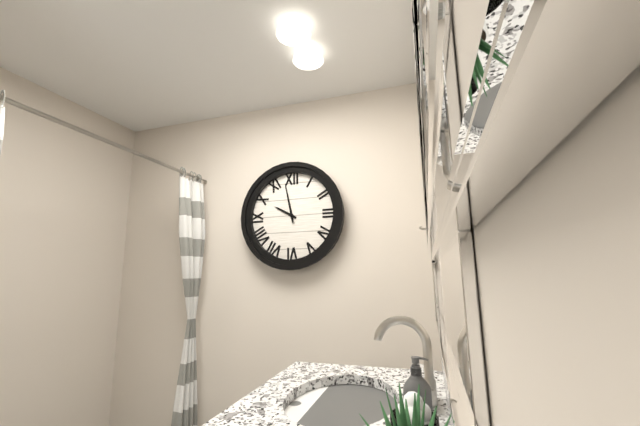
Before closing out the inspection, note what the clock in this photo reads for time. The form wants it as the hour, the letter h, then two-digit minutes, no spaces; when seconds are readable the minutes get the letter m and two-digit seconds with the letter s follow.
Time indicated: 9h58
